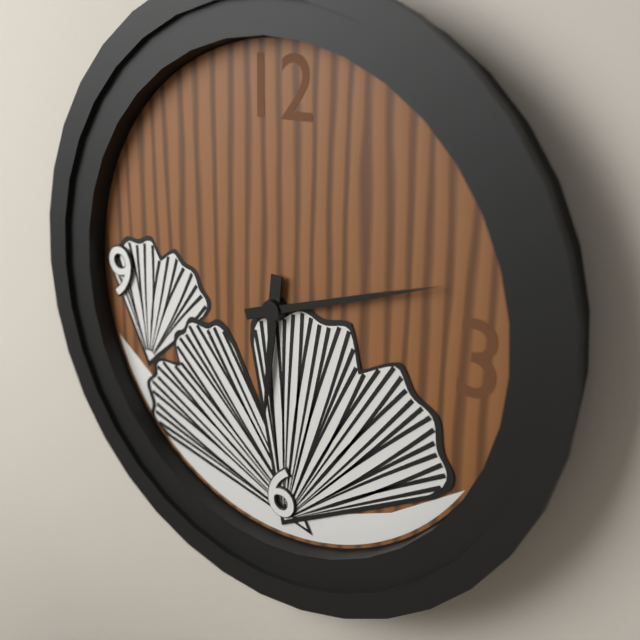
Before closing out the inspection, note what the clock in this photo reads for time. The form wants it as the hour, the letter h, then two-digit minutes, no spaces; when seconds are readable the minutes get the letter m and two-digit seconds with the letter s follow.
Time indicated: 6h12
